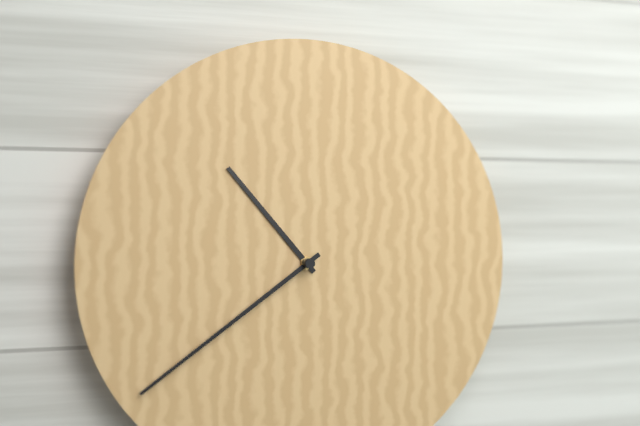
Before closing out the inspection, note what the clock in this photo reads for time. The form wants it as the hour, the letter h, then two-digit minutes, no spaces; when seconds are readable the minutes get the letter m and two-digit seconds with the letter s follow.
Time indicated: 10h39
